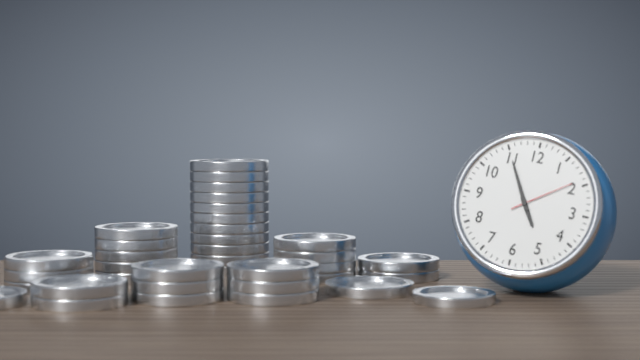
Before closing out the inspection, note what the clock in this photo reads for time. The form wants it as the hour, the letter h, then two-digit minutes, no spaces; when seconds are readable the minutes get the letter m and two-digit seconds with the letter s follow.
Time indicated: 4h55m09s
